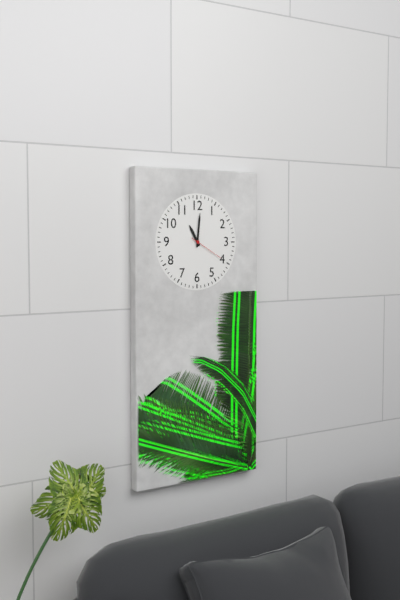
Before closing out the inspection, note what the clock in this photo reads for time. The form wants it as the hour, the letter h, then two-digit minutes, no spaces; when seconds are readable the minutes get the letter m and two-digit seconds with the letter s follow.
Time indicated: 11h01
